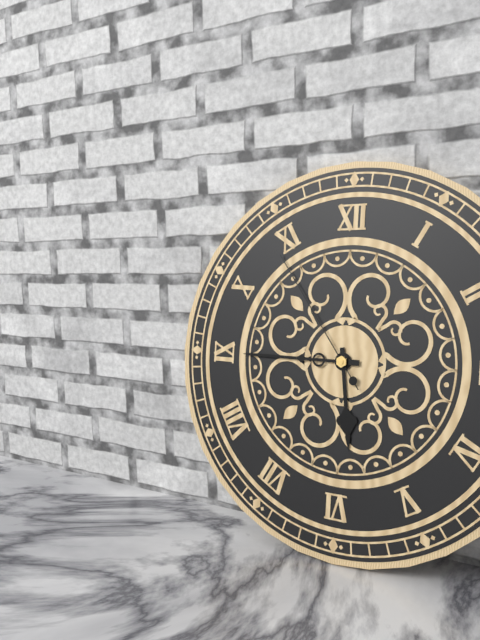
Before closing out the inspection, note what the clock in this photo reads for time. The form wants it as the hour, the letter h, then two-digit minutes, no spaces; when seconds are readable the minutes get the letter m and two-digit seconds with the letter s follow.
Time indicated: 5h45m54s
